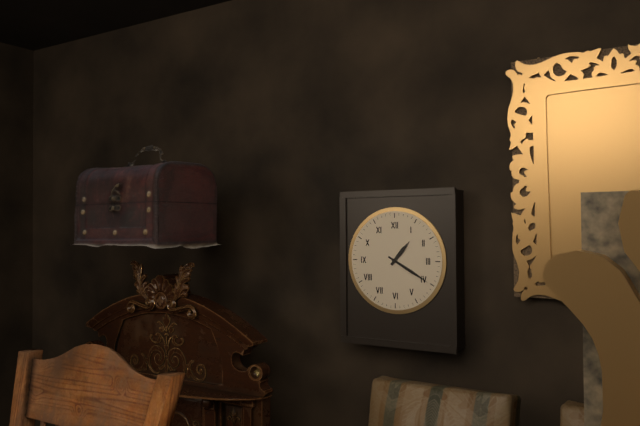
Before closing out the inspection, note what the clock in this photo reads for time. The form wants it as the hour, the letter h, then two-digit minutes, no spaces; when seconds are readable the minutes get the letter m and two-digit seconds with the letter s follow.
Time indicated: 1h20
